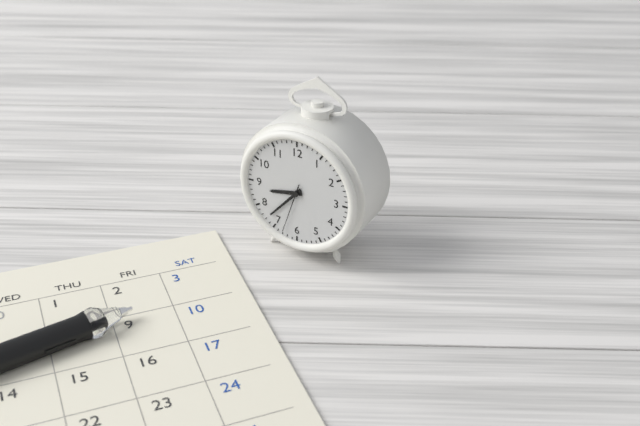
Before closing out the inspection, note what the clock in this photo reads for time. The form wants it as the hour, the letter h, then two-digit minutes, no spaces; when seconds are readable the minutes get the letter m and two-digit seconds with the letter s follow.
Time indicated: 8h37m33s
